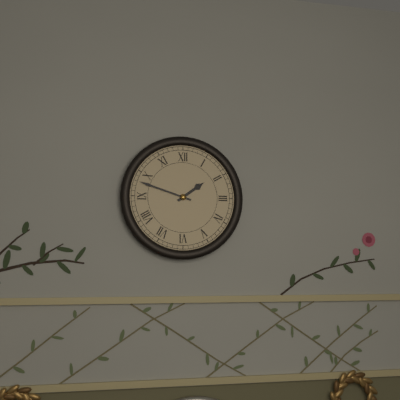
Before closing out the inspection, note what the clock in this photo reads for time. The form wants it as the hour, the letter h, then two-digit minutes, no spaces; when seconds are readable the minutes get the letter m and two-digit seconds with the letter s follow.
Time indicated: 1h48
